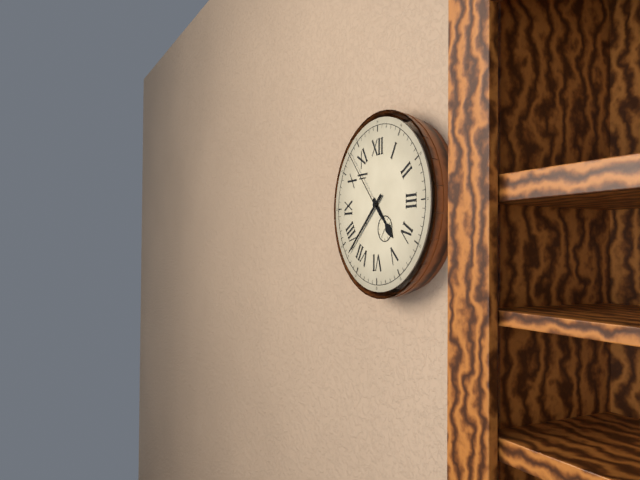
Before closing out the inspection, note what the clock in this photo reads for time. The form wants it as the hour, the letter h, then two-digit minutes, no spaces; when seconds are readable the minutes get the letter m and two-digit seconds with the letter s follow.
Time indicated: 4h38m53s
